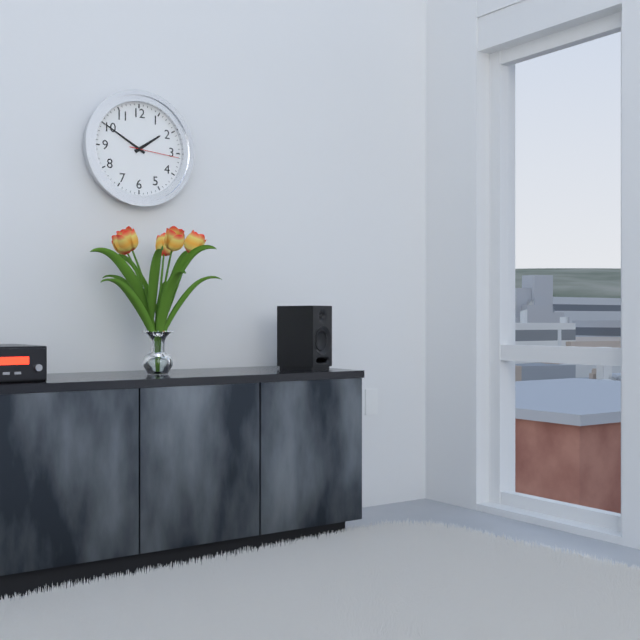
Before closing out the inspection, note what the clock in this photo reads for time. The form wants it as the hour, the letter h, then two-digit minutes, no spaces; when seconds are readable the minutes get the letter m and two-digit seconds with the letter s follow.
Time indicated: 1h50m16s
